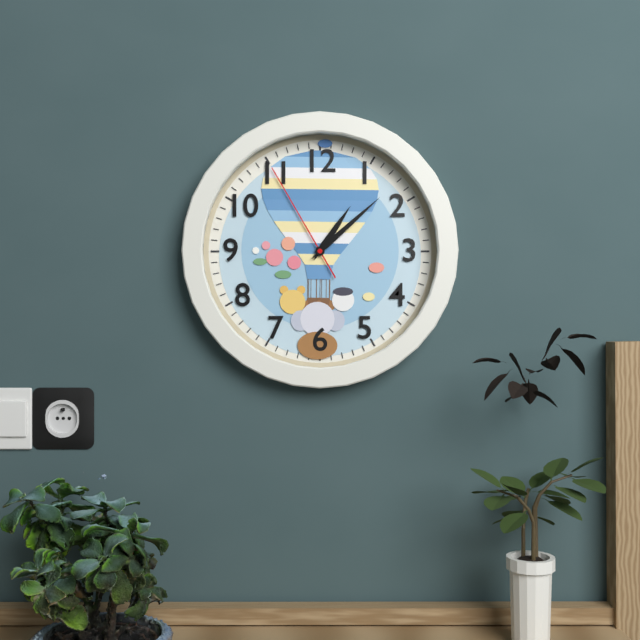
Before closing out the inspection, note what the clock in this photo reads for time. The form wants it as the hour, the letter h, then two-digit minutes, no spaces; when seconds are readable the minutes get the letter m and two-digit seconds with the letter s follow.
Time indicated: 1h08m55s
